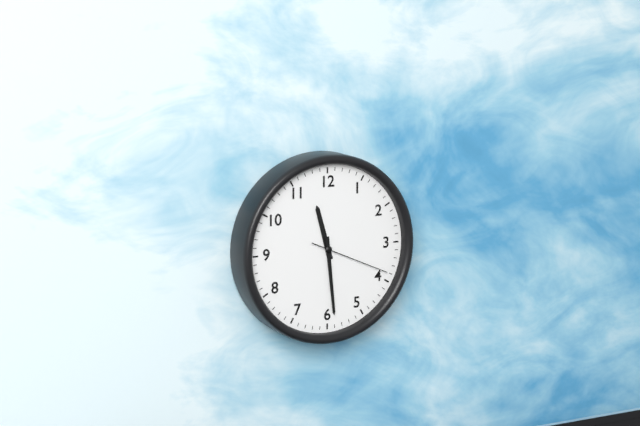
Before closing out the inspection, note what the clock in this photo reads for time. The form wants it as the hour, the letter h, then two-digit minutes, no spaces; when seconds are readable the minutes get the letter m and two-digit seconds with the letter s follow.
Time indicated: 11h29m19s
